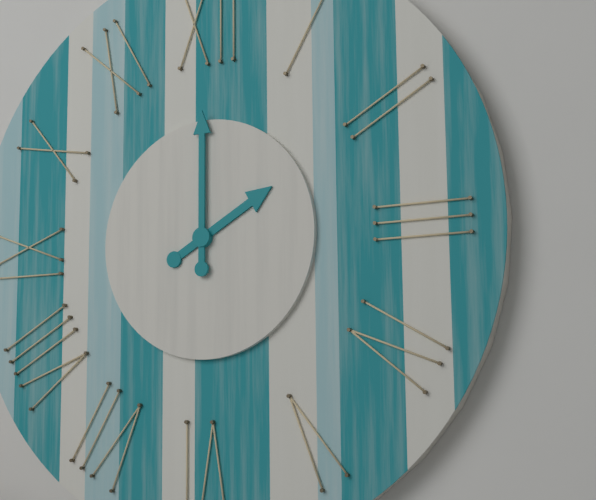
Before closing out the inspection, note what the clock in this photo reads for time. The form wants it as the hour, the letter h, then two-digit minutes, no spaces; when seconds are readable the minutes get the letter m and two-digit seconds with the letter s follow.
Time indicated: 2h00
